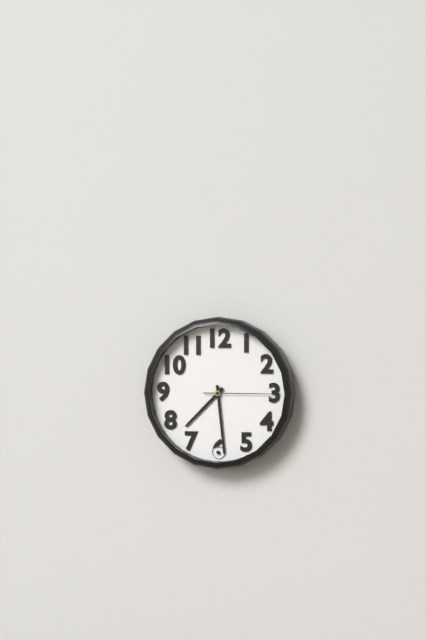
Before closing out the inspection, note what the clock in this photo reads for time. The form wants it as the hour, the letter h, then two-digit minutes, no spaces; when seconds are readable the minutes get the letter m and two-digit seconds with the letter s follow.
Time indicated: 7h29m15s
